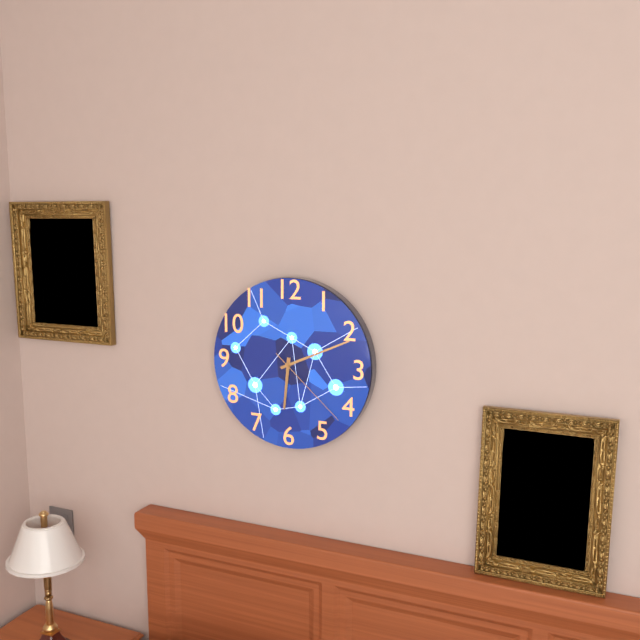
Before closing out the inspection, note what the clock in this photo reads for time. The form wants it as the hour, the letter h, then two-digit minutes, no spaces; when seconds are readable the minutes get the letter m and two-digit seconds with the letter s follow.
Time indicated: 6h11m22s
